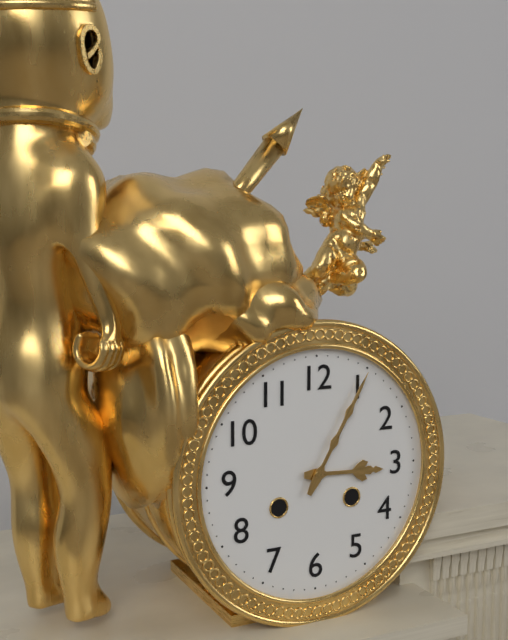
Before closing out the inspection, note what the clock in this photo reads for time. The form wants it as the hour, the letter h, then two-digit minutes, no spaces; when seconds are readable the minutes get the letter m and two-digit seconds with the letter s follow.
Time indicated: 3h05
